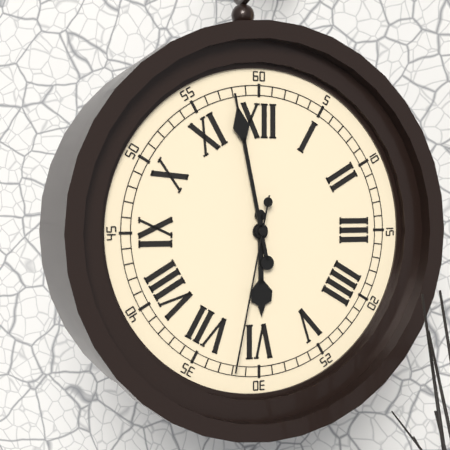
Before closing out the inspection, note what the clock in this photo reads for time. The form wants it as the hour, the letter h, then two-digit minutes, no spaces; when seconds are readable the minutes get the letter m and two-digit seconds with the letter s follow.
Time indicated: 5h58m32s
